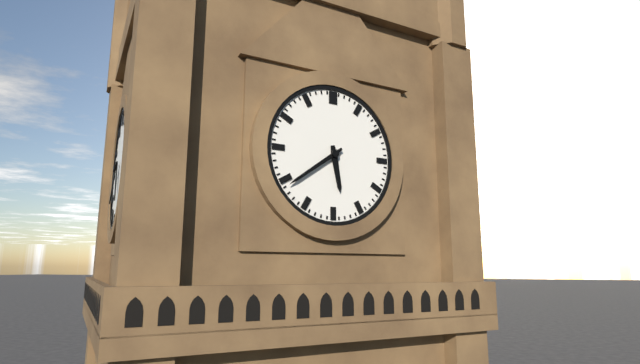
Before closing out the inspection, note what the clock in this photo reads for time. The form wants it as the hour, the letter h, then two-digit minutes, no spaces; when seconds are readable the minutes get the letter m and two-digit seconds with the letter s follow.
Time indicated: 5h39
